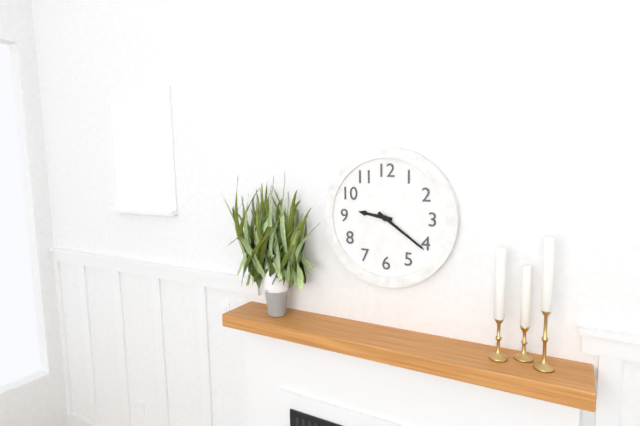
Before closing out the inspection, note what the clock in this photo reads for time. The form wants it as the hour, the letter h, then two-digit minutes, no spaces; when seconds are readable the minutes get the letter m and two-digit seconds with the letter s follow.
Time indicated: 9h21
